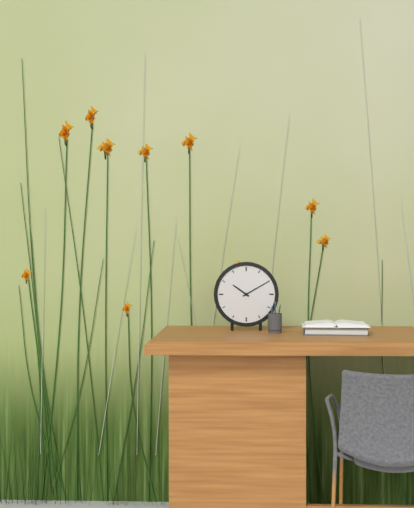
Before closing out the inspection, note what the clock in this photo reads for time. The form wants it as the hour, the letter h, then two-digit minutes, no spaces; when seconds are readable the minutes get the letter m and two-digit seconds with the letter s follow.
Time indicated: 10h10
